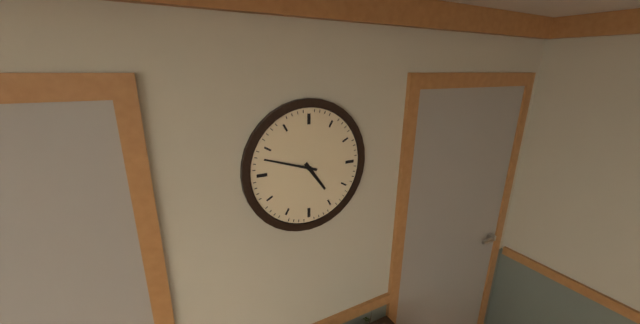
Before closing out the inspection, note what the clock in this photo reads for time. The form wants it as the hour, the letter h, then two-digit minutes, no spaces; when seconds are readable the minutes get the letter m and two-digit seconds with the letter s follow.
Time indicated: 4h48
